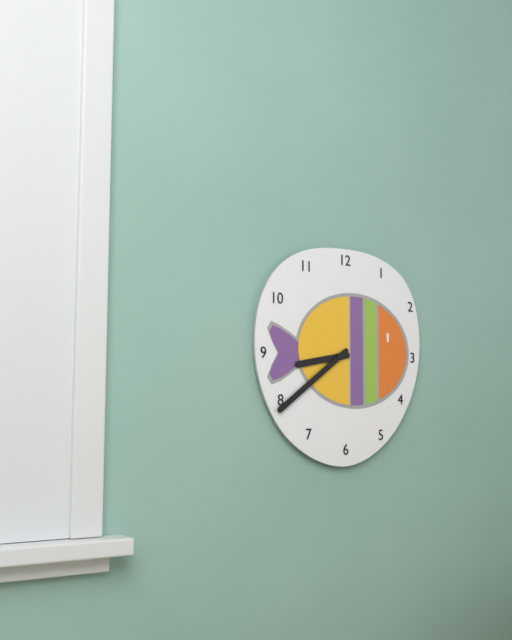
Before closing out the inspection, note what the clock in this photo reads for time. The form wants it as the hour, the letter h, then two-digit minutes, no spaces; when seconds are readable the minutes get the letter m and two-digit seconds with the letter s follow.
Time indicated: 8h39
